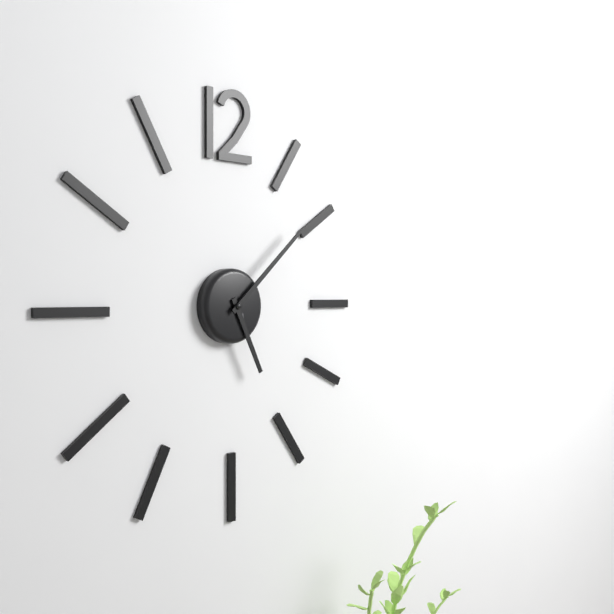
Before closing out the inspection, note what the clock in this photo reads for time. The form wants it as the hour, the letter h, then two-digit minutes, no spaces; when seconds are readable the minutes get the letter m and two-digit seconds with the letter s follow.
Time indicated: 5h08
